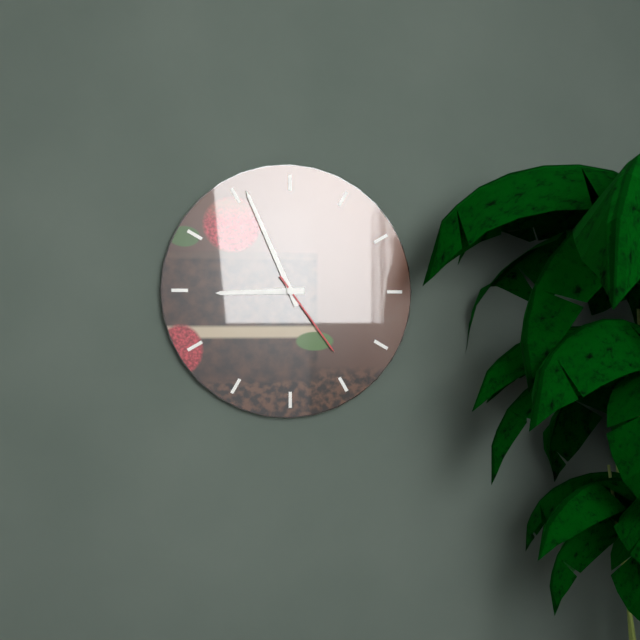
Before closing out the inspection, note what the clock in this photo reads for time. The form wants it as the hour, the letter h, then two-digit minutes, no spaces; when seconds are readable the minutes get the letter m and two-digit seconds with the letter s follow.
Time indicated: 8h56m24s
